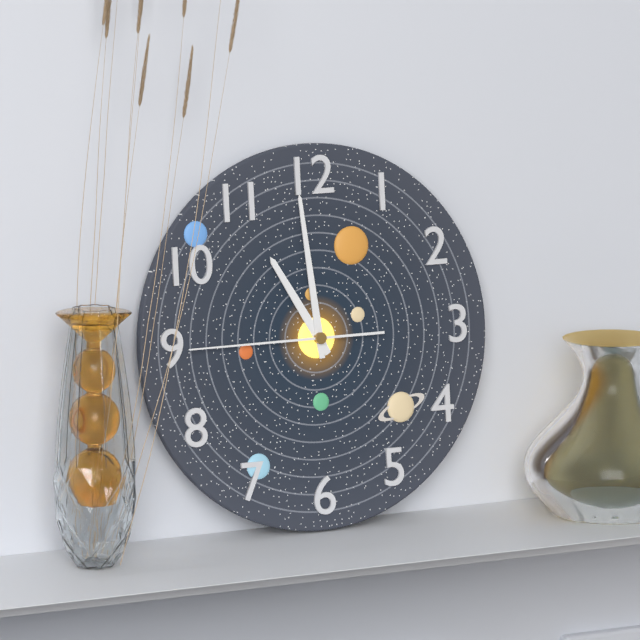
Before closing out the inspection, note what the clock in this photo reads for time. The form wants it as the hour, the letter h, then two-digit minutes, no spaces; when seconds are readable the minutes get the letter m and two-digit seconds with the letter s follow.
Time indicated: 10h59m45s
